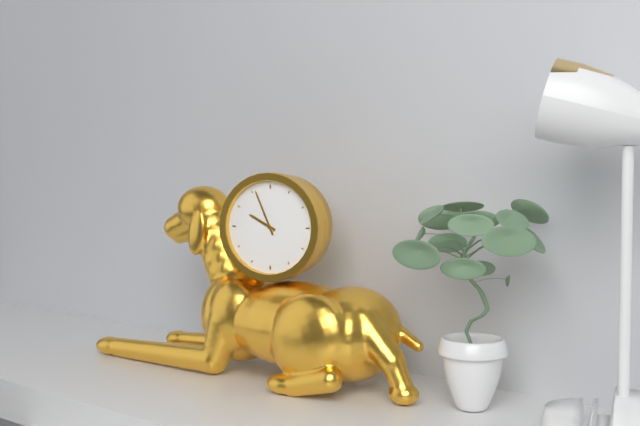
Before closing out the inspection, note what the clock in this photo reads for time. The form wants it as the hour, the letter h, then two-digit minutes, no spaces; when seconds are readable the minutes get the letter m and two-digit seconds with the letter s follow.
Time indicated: 9h56
